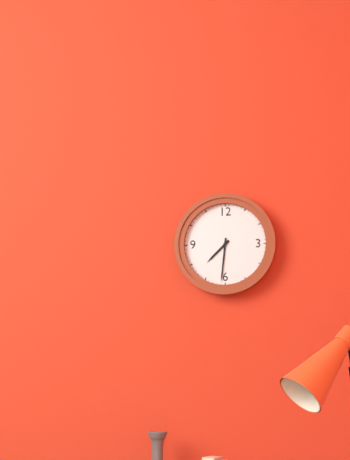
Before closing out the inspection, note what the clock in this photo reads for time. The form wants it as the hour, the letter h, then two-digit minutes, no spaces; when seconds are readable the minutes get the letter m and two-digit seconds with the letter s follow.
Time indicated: 7h31
